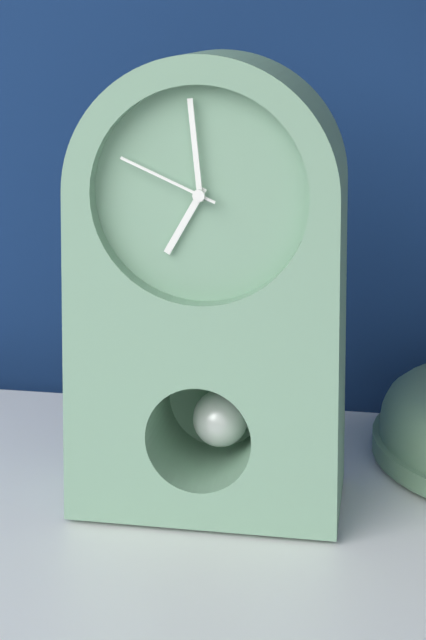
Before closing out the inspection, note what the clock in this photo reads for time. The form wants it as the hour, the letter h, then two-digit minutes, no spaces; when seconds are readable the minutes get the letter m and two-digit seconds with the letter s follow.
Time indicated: 6h59m49s
